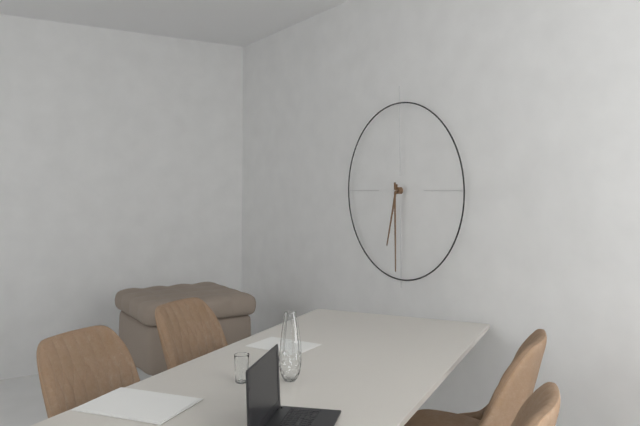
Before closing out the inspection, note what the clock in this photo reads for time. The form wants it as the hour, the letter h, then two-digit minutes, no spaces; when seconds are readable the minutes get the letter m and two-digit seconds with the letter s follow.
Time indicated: 6h30
